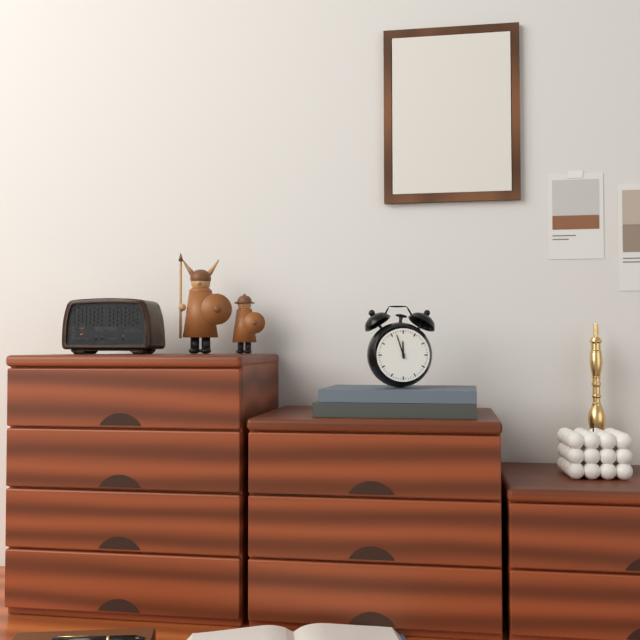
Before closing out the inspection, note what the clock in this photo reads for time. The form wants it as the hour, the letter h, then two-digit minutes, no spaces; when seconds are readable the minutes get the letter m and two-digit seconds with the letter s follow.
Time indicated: 11h57
